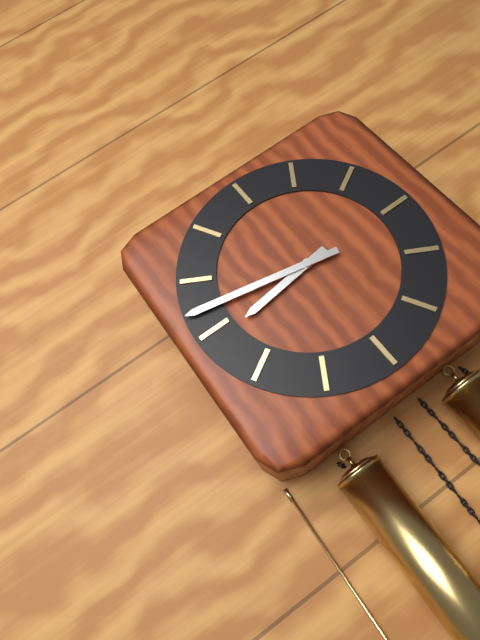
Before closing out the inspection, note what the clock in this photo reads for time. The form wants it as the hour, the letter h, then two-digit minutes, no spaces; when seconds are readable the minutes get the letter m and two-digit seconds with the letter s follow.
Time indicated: 8h47
